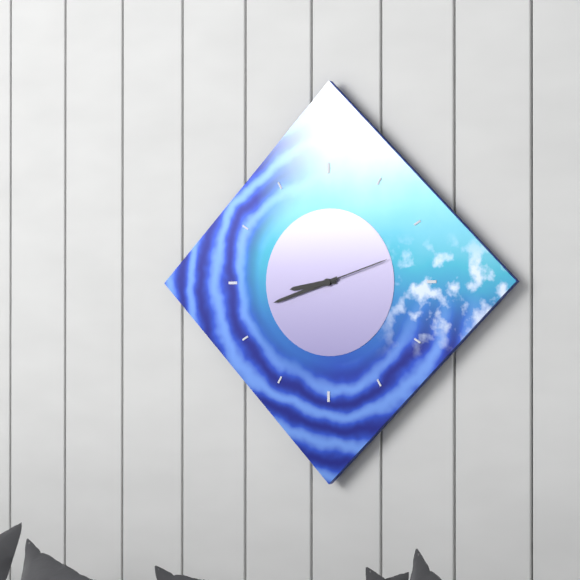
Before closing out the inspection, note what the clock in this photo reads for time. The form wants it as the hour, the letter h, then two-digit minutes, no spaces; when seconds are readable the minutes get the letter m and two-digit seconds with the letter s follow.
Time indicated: 8h42m12s
